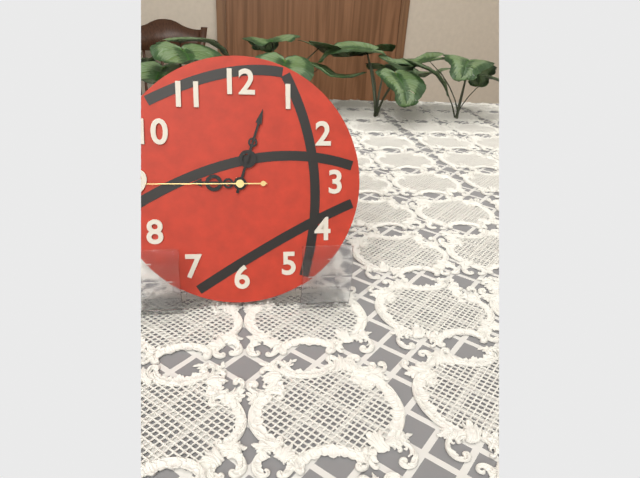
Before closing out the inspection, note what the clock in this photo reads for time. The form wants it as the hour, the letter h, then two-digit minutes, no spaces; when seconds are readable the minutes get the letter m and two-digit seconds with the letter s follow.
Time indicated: 9h03m45s
